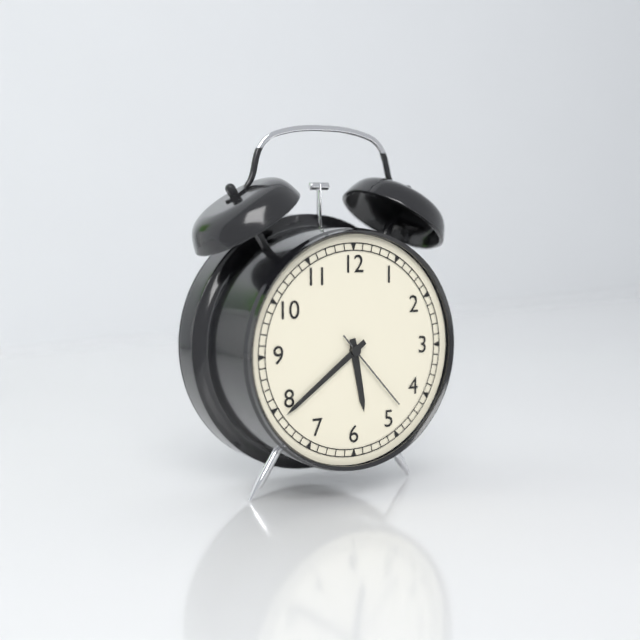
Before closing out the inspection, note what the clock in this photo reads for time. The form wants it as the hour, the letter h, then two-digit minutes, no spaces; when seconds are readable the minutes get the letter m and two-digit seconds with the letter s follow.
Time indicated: 5h39m23s
